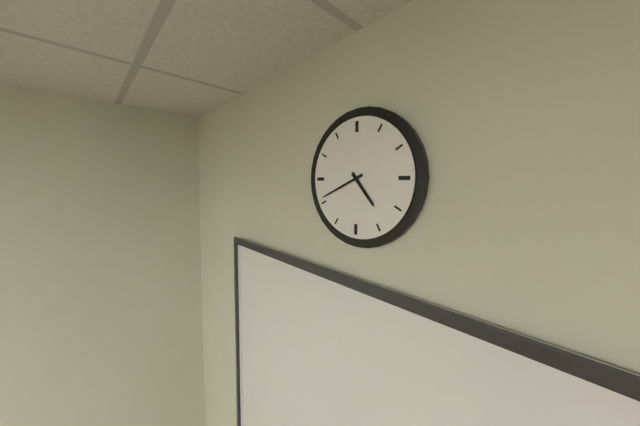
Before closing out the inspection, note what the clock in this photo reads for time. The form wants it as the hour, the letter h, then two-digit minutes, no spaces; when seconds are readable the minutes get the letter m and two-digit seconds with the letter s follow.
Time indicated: 4h41
